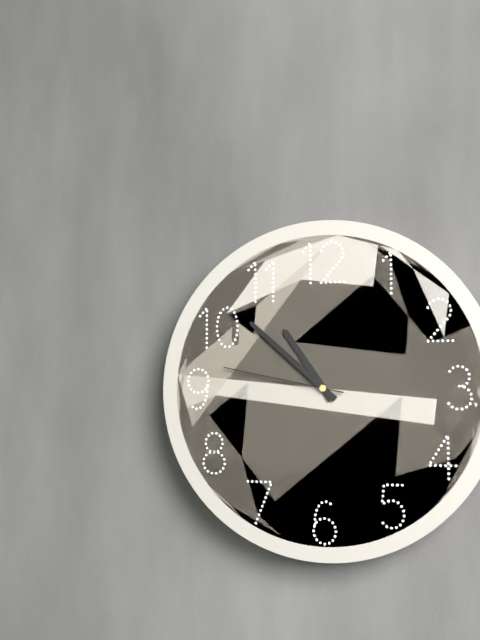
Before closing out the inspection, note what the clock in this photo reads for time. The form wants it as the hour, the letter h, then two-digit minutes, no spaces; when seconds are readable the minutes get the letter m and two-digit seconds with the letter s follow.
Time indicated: 10h52m47s
